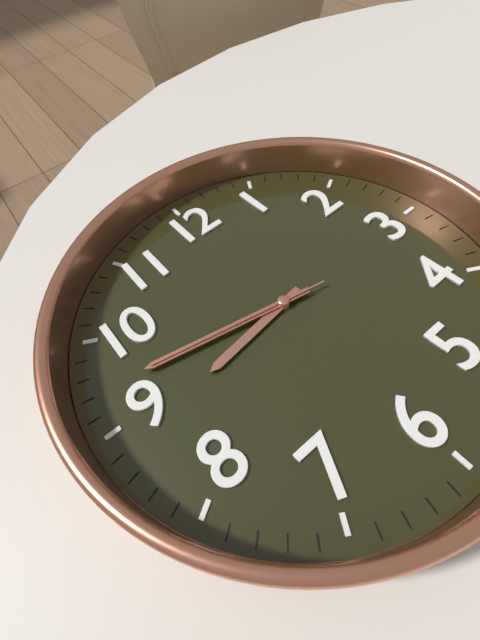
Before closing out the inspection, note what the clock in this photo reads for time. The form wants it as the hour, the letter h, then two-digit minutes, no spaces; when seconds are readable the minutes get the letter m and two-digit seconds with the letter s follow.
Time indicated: 8h47m47s
